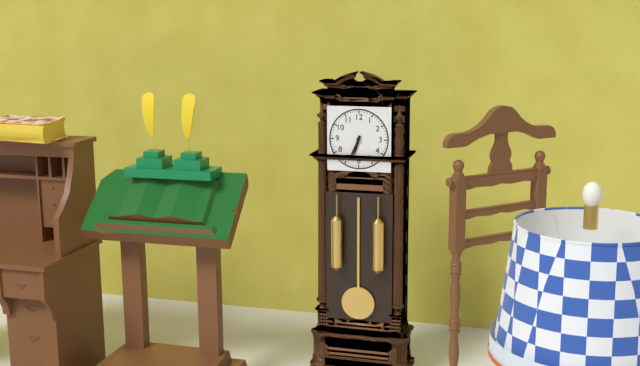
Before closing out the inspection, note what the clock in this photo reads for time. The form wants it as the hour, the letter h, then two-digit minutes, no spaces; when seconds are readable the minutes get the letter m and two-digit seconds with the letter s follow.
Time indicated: 6h34
